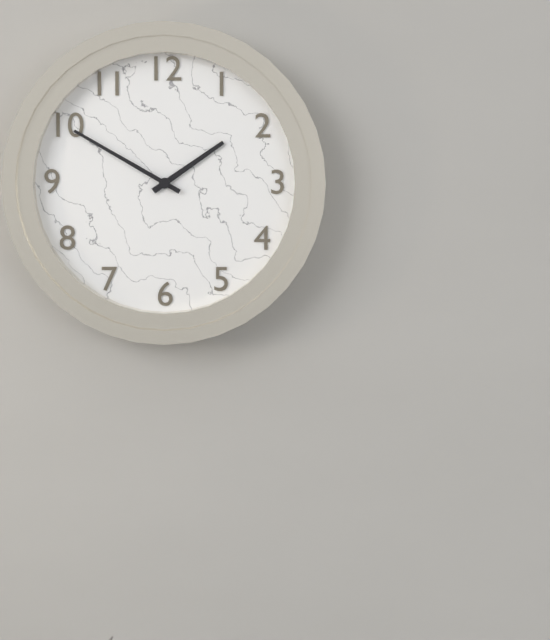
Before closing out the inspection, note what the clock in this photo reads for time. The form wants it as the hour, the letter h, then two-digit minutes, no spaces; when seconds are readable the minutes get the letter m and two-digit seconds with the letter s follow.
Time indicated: 1h50
